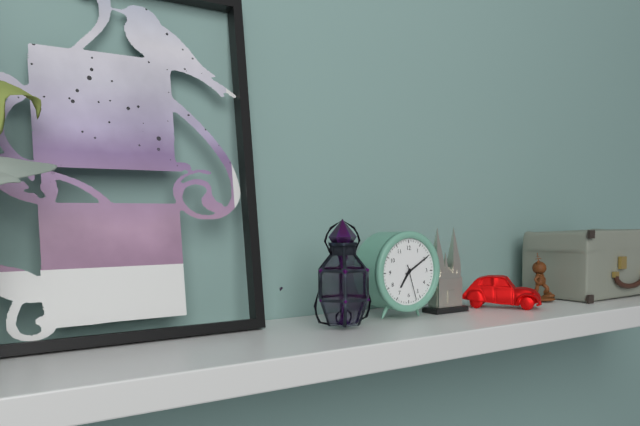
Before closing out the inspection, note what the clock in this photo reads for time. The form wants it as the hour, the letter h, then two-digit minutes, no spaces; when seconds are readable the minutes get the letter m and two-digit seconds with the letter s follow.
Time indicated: 7h10
